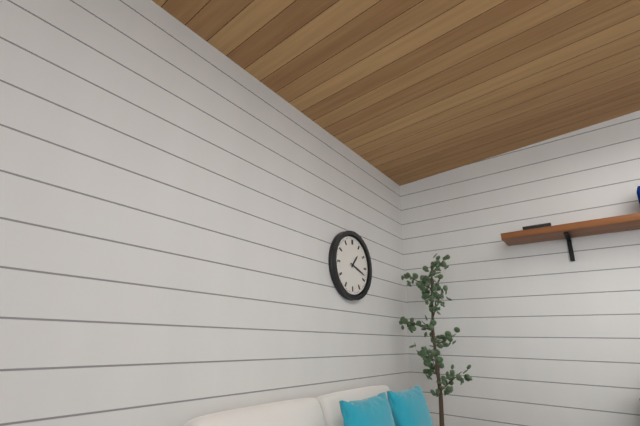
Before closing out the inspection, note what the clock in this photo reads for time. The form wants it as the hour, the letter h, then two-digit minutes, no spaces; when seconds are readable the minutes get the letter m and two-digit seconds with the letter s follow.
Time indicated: 1h18
